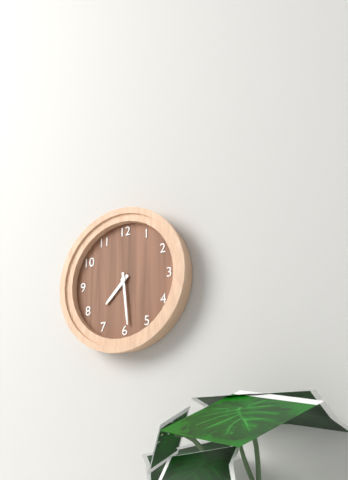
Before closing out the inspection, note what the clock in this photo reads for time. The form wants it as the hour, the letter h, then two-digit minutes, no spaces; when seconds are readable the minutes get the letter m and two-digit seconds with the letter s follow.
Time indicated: 7h29
